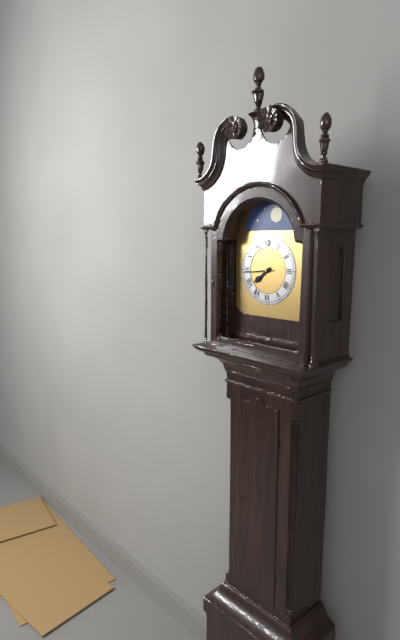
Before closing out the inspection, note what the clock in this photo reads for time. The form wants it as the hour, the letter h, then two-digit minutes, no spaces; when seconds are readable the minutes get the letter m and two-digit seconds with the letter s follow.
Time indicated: 7h44
